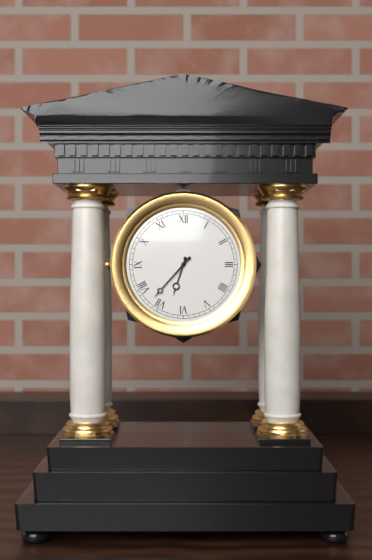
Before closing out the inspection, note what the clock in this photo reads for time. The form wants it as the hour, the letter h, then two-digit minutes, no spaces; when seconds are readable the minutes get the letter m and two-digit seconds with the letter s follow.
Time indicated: 6h37
